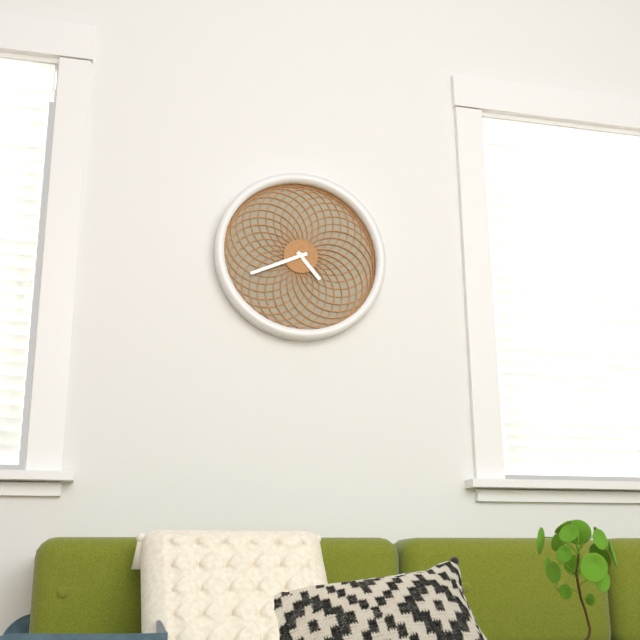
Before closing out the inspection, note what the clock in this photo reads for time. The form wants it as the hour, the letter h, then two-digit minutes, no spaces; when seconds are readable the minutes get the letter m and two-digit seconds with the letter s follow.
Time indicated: 4h41
